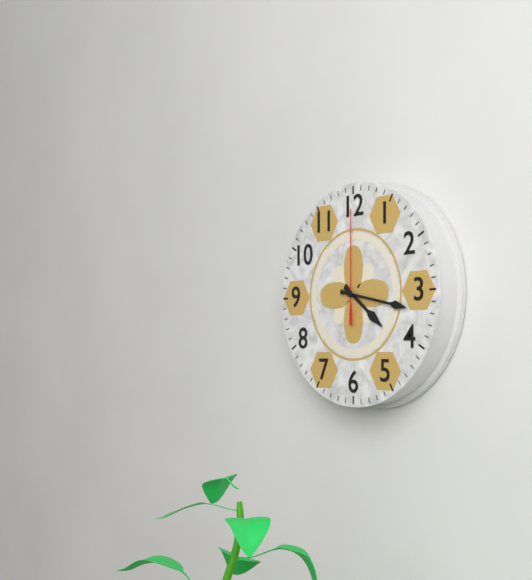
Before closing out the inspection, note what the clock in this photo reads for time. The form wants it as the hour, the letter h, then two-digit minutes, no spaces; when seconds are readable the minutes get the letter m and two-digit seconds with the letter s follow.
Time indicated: 4h17m00s
